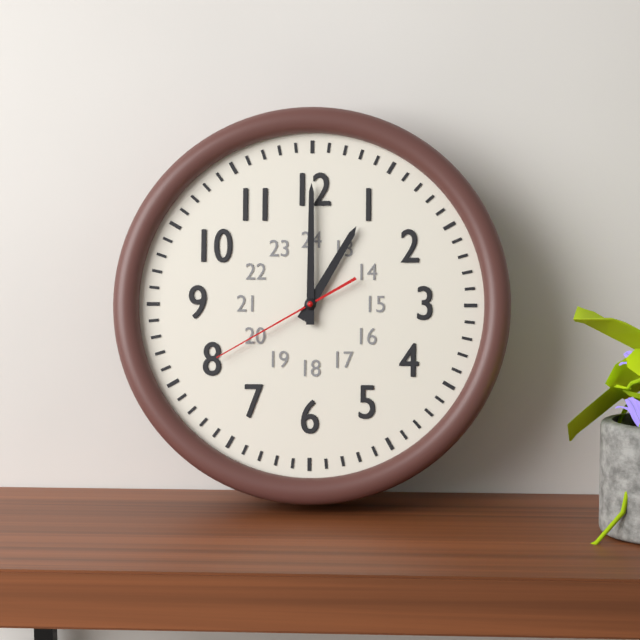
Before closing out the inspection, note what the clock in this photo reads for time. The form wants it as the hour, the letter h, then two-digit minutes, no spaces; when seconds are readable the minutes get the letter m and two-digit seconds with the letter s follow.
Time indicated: 1h00m40s
